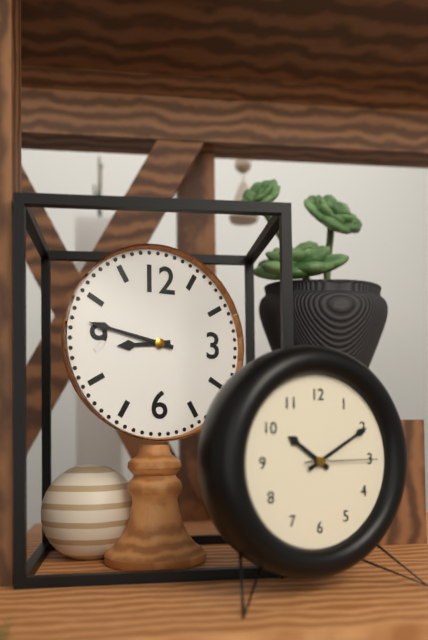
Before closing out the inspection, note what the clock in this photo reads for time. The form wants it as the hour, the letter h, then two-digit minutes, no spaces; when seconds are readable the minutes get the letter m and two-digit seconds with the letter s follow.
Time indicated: 8h47
